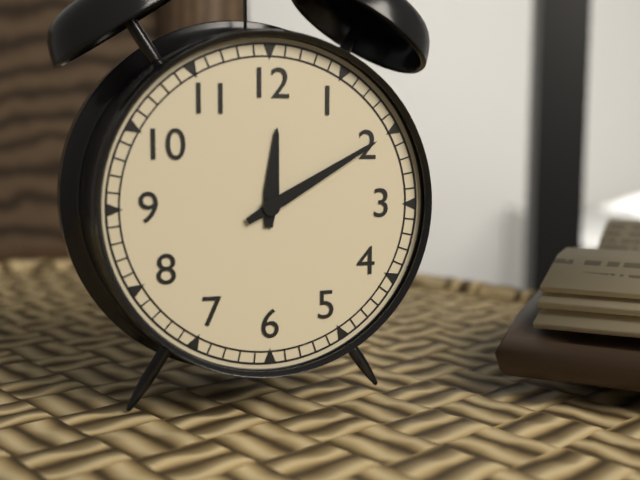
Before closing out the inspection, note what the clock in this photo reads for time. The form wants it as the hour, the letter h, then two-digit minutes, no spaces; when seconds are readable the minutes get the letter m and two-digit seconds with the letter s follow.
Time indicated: 12h10
